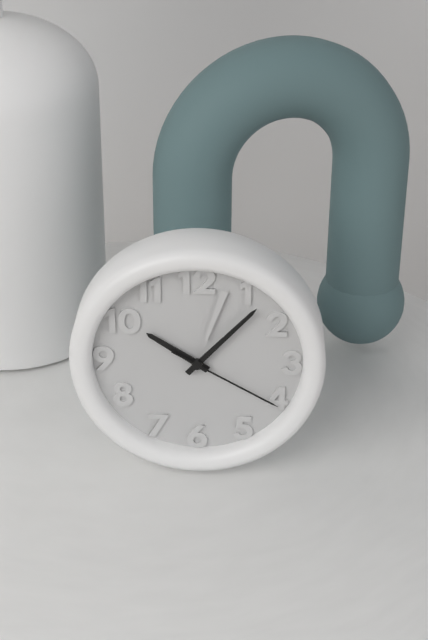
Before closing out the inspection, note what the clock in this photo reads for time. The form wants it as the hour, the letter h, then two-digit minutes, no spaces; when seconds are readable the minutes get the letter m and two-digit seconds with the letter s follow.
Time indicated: 10h07m20s
